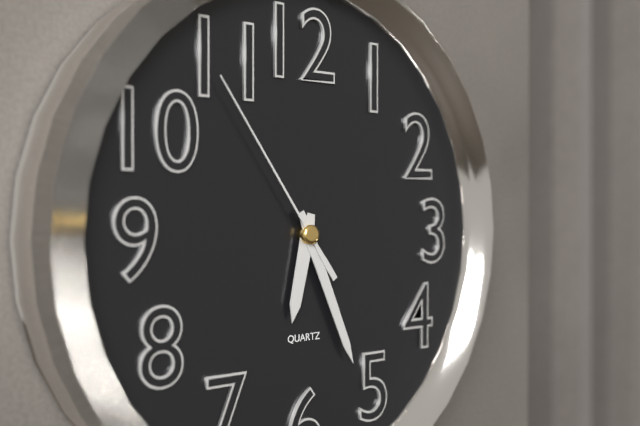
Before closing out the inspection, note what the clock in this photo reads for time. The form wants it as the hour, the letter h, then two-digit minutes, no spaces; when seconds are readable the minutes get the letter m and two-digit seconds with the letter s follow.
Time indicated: 6h26m54s
